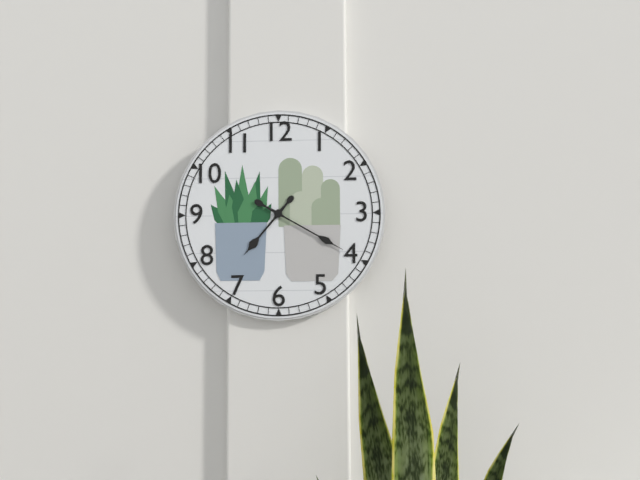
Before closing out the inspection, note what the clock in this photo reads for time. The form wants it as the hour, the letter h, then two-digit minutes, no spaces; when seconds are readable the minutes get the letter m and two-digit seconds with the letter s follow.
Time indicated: 7h20
